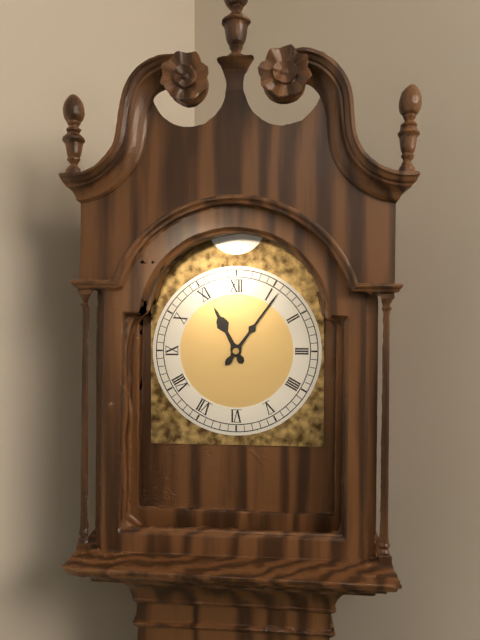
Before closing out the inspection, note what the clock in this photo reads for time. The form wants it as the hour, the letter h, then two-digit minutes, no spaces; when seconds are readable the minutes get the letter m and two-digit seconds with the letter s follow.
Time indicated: 11h06
